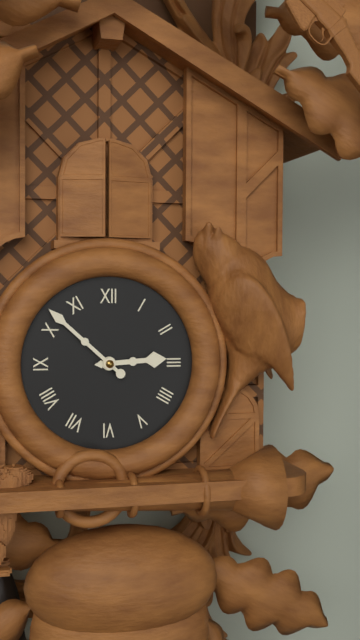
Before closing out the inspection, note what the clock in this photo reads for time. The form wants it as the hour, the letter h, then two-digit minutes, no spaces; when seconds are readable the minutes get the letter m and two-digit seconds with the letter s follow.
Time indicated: 2h52
